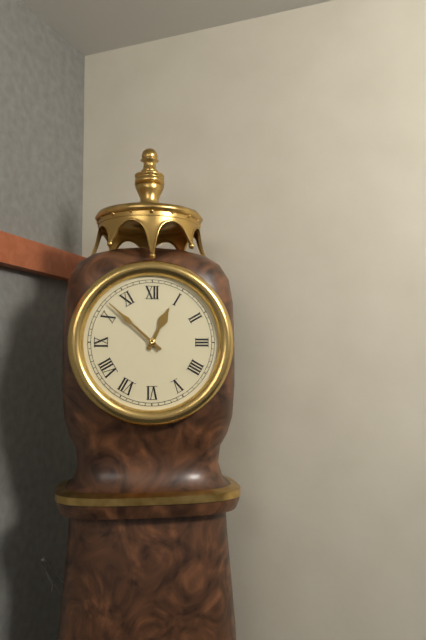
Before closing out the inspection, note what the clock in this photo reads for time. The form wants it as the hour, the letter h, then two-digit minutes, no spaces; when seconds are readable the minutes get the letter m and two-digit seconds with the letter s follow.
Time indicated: 12h52
